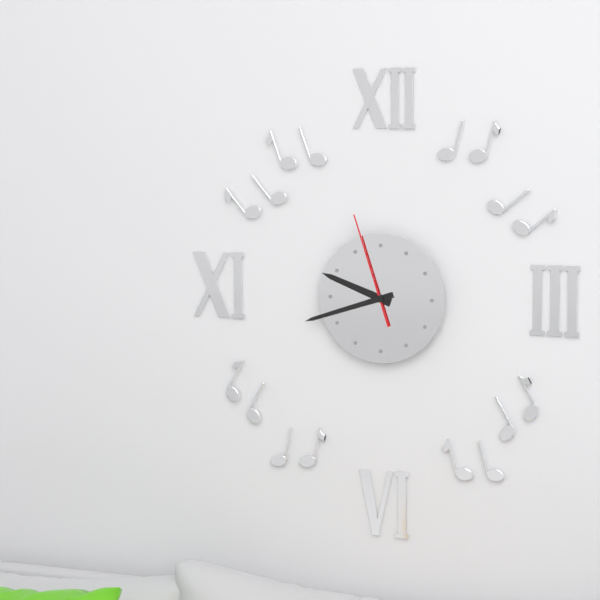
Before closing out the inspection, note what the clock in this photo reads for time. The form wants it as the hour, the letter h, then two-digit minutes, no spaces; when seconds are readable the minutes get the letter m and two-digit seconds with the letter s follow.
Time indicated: 9h42m57s
